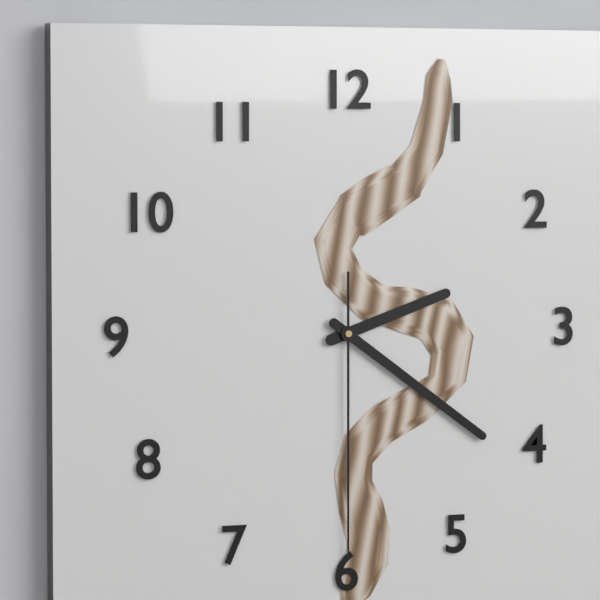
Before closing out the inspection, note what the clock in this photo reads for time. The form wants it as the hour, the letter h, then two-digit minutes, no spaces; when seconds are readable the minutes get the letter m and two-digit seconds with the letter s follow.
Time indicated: 2h21m30s
